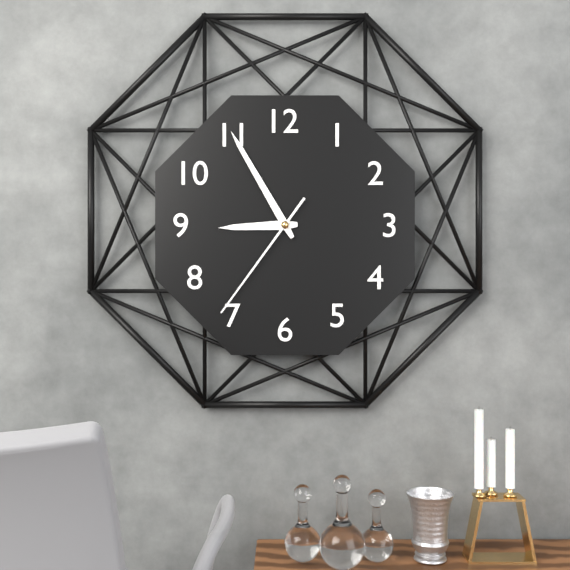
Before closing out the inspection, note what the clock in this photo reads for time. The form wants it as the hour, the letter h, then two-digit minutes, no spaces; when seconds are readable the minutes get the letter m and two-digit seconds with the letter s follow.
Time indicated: 8h55m36s
